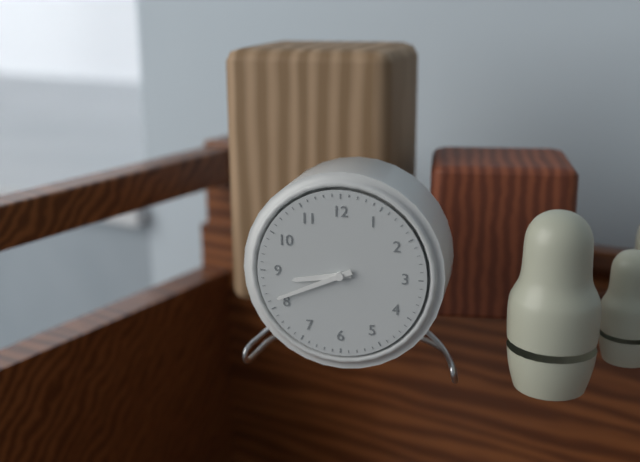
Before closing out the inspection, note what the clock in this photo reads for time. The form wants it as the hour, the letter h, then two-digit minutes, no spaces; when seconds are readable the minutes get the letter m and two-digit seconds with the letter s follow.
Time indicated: 8h41
